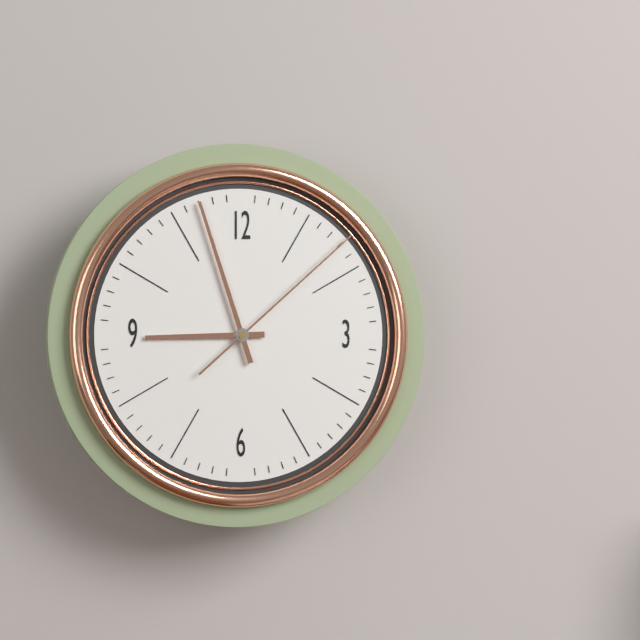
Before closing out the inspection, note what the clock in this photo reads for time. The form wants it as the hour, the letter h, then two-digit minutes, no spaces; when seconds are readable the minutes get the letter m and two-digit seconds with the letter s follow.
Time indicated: 8h57m08s
